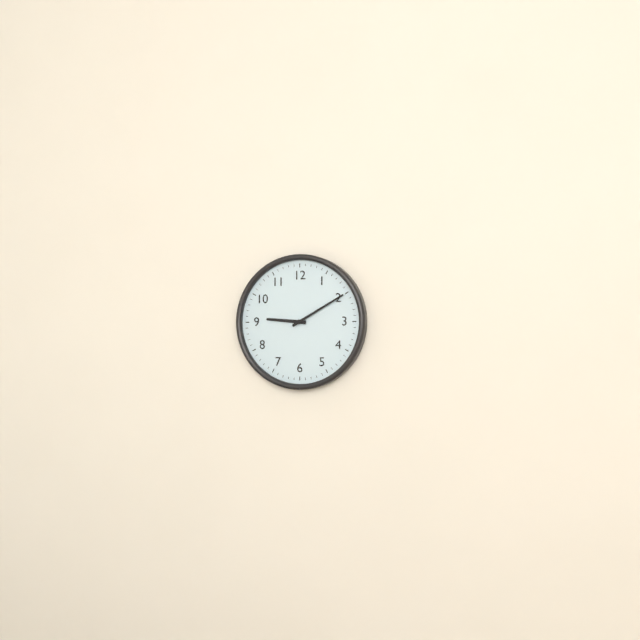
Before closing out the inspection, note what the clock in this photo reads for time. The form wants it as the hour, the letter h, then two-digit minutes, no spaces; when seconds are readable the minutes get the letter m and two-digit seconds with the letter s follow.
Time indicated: 9h10
